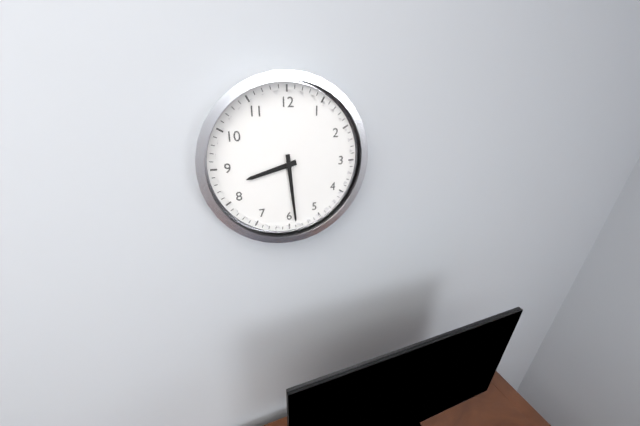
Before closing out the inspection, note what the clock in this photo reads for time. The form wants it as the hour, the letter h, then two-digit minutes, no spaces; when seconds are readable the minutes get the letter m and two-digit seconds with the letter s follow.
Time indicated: 8h29
